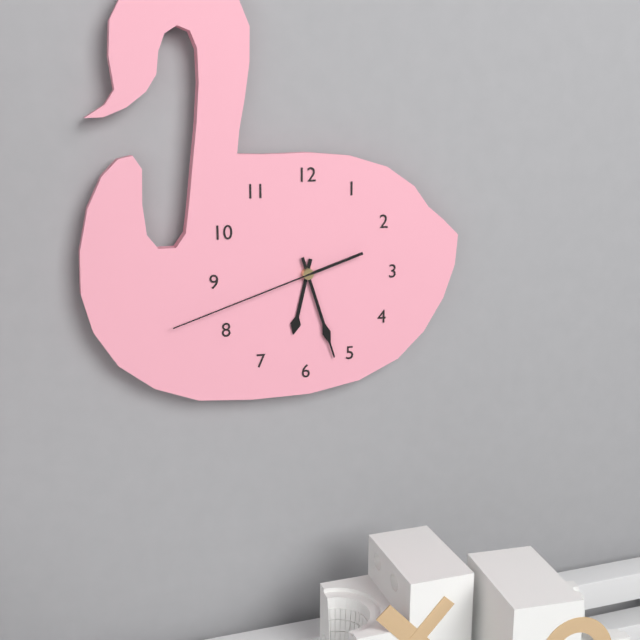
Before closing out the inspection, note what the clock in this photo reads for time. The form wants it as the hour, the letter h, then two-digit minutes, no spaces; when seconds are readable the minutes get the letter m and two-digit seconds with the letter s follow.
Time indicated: 6h27m42s
